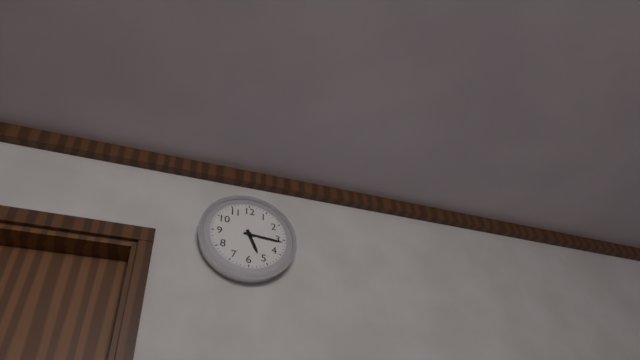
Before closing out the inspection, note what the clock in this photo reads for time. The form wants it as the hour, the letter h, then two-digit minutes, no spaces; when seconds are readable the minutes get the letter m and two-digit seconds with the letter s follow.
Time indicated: 5h16
